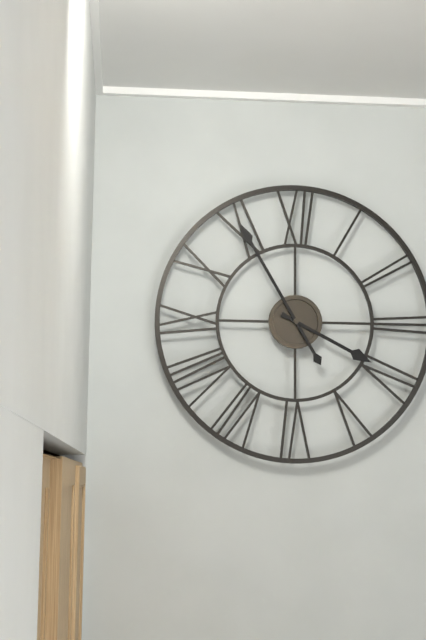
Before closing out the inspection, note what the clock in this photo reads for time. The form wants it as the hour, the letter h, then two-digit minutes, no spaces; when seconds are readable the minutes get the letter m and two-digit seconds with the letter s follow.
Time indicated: 3h55
